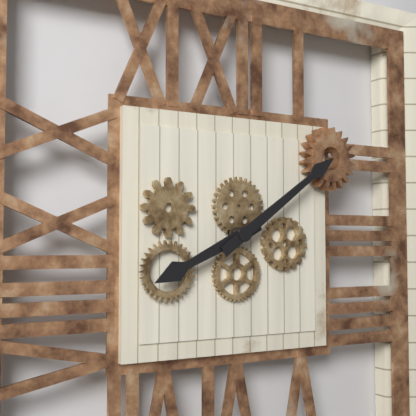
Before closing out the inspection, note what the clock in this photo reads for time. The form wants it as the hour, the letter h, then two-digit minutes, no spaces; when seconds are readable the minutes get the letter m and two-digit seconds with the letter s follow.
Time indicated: 8h09
